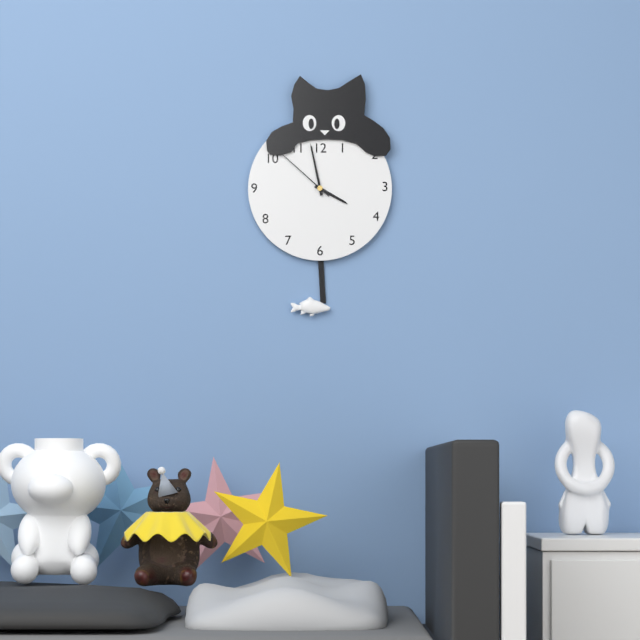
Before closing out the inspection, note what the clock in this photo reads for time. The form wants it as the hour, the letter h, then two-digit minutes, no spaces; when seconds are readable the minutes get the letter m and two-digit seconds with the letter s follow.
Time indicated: 3h58m52s
